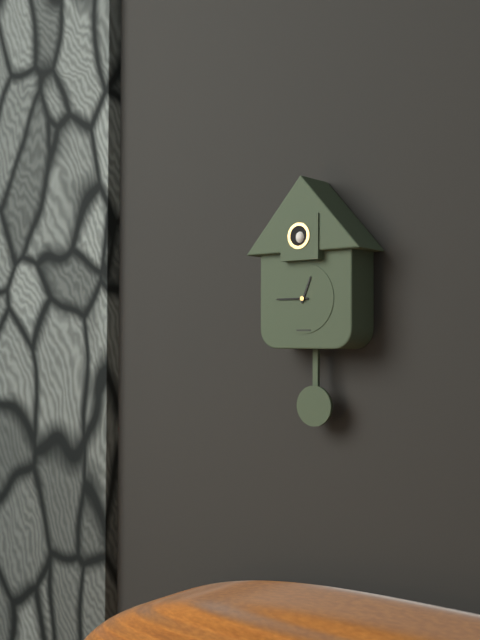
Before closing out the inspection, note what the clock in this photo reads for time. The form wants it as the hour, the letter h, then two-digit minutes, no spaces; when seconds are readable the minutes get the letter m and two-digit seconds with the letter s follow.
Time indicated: 12h45
